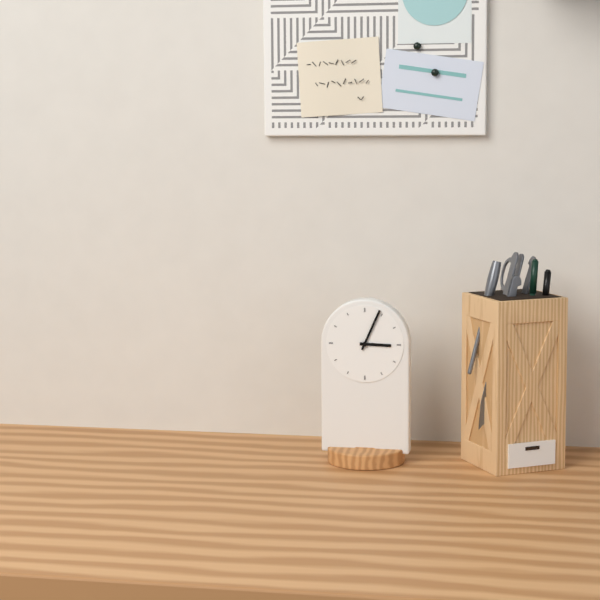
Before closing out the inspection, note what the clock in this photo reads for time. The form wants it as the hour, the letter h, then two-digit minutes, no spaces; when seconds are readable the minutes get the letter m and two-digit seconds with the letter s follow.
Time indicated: 3h04
